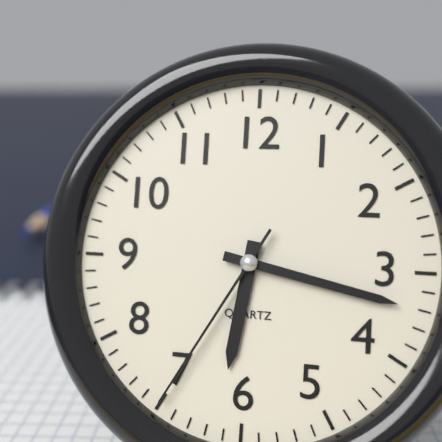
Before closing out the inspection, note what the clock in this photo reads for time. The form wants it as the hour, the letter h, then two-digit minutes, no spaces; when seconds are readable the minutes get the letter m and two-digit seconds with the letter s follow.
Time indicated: 6h17m35s
